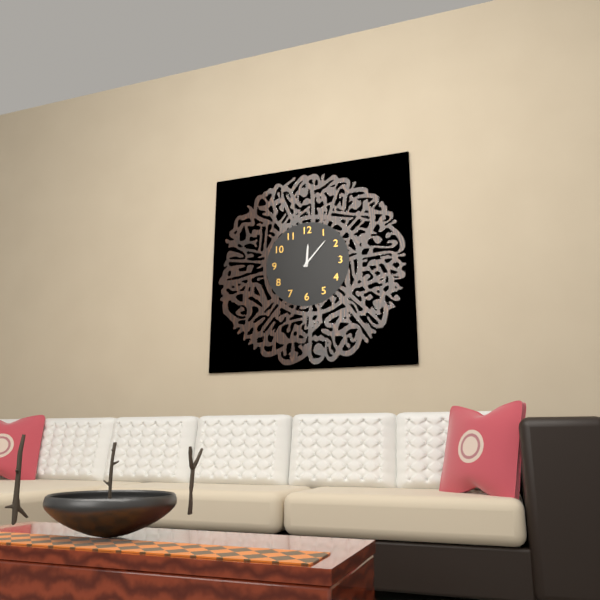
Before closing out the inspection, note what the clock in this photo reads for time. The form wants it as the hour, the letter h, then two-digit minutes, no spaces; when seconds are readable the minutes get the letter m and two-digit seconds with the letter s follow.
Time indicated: 12h07
